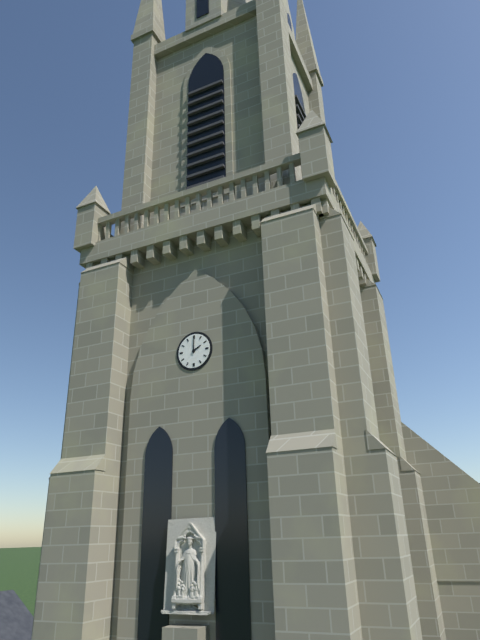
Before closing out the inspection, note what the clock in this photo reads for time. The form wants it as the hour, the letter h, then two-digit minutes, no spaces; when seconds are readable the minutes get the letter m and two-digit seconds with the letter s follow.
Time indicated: 2h00
